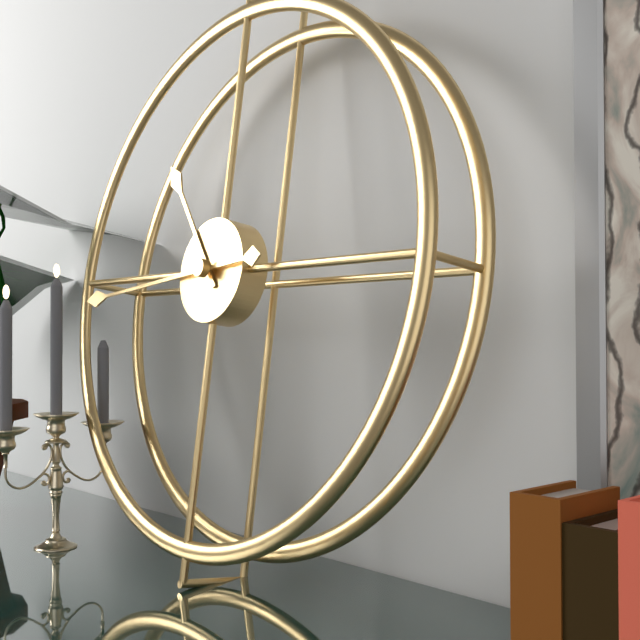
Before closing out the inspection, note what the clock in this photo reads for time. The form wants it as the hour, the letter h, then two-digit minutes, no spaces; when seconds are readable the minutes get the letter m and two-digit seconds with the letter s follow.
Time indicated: 10h44
